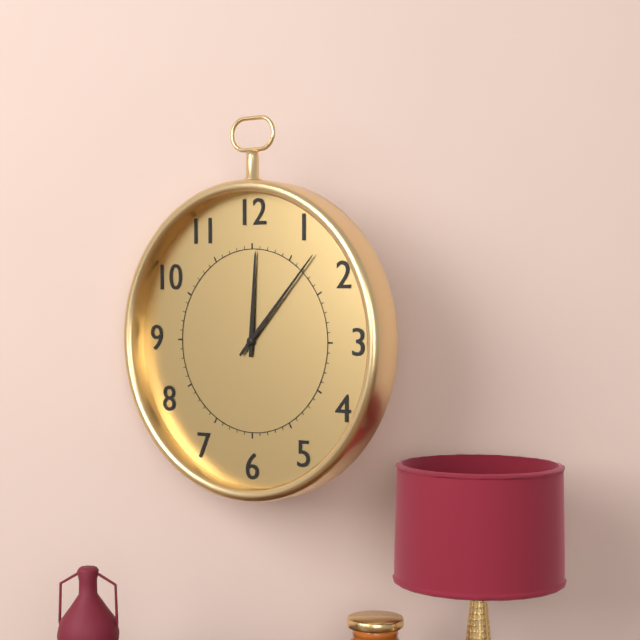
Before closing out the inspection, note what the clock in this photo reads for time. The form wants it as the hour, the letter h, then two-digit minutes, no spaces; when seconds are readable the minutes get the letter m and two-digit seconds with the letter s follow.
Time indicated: 12h07
